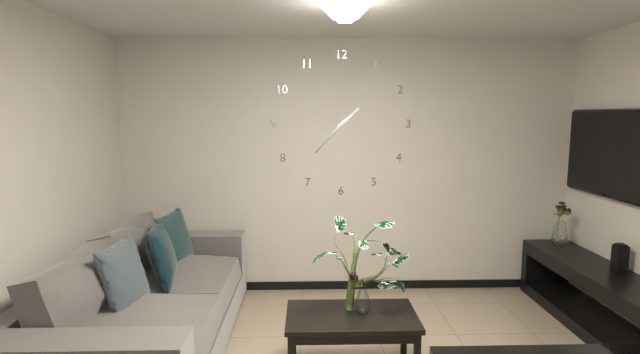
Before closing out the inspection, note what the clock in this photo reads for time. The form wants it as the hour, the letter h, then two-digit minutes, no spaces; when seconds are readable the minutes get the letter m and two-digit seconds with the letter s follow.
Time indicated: 1h37
